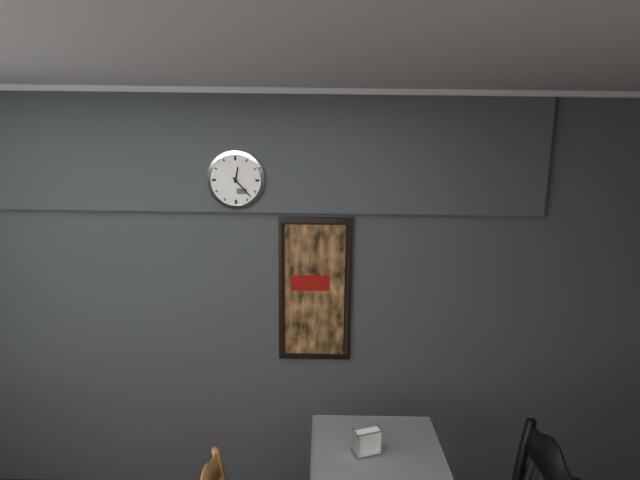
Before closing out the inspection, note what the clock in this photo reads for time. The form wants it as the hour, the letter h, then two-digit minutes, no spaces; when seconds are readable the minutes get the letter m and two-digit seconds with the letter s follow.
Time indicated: 12h23
